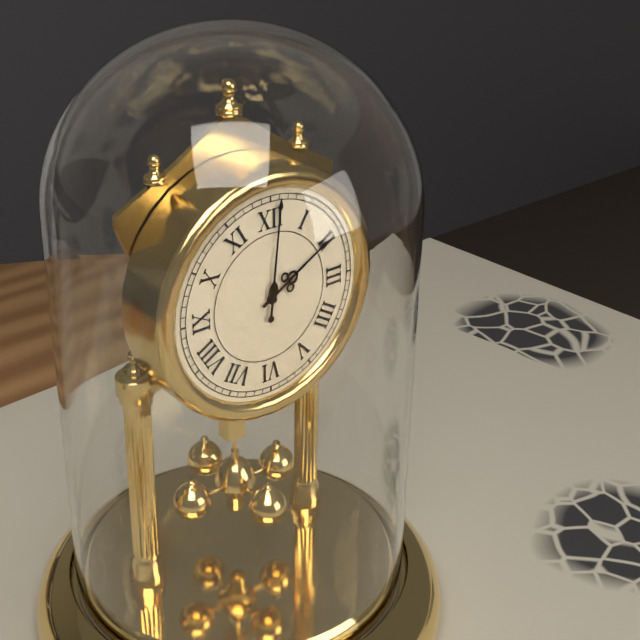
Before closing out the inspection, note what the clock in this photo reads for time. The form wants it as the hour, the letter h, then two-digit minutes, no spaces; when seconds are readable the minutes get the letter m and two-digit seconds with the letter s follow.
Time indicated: 2h01
